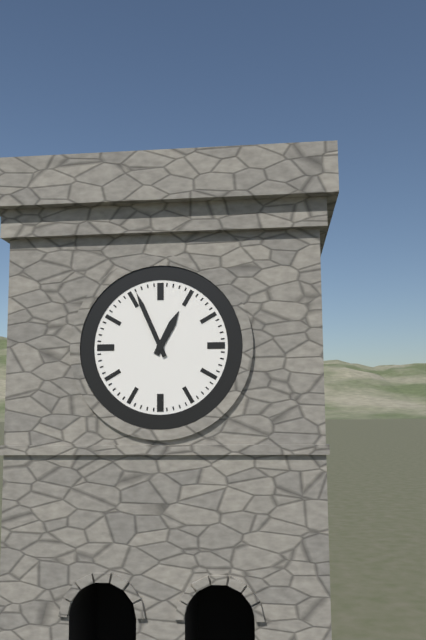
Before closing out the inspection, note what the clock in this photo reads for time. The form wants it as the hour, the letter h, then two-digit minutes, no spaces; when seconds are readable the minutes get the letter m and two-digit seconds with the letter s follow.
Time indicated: 12h56
